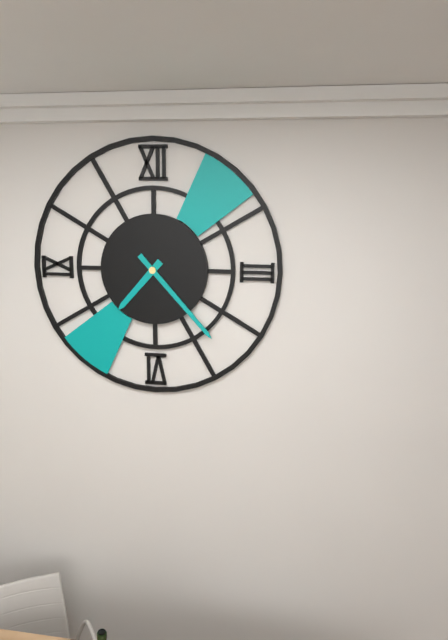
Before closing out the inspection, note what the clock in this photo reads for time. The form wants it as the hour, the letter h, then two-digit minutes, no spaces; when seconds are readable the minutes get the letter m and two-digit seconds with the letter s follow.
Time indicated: 7h23
